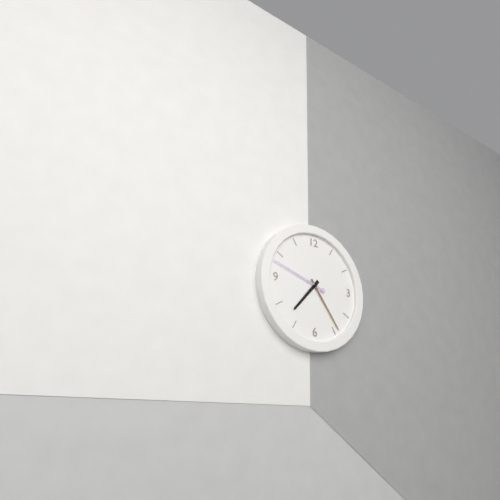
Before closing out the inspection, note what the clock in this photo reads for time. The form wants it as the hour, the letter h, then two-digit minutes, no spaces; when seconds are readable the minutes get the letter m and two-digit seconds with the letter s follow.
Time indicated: 7h24m48s
